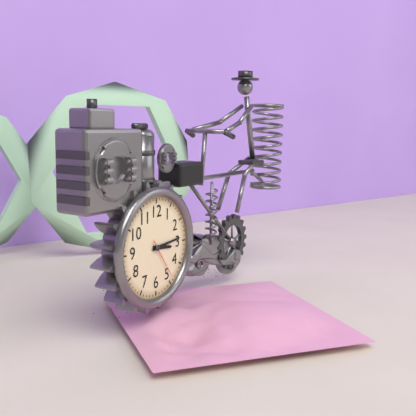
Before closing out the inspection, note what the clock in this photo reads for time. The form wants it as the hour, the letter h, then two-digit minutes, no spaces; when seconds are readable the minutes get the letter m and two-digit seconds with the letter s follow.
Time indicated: 3h14
